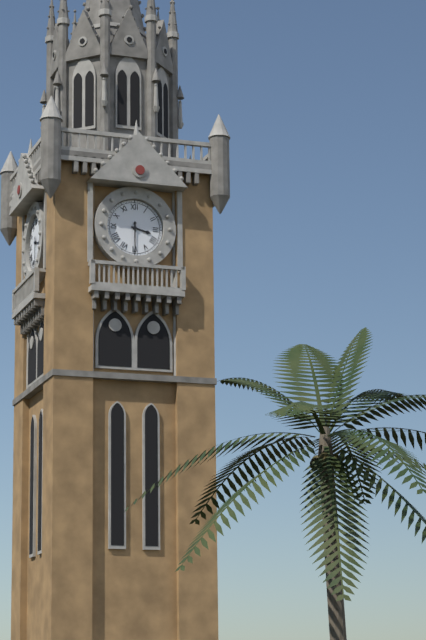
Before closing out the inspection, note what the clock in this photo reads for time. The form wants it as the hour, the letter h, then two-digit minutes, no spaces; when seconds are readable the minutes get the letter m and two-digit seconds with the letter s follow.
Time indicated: 3h30
